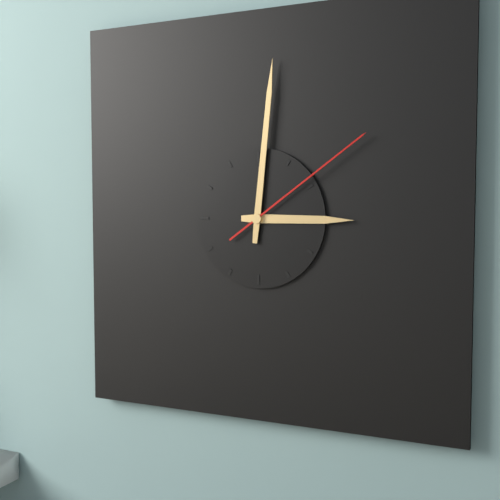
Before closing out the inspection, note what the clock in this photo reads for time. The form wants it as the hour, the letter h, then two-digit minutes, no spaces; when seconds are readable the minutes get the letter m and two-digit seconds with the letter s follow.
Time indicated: 3h01m09s
